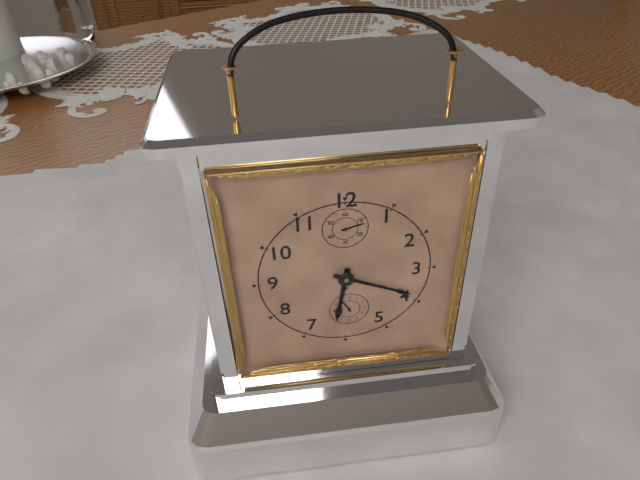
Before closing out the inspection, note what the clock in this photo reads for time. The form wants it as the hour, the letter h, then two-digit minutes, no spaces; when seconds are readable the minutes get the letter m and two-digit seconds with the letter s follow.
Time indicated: 6h19
